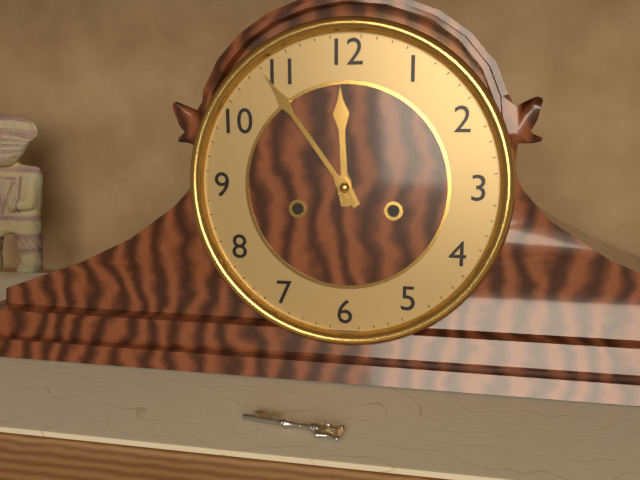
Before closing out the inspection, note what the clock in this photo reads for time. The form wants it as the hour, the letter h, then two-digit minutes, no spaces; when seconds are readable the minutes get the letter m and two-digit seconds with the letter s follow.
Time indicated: 11h54
